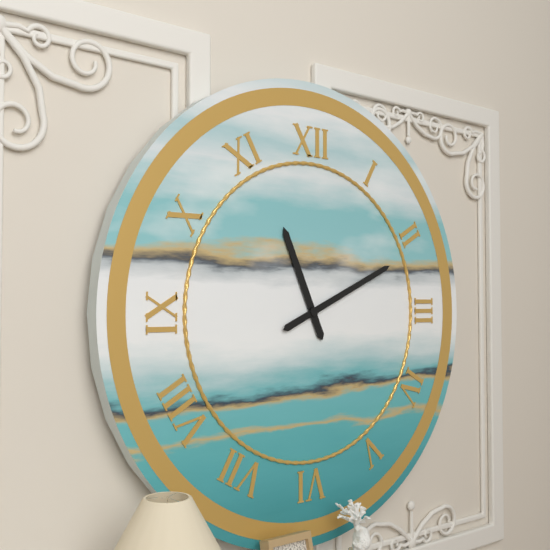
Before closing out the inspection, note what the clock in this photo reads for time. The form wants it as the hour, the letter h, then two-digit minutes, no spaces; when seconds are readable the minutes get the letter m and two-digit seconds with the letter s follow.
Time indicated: 11h11
